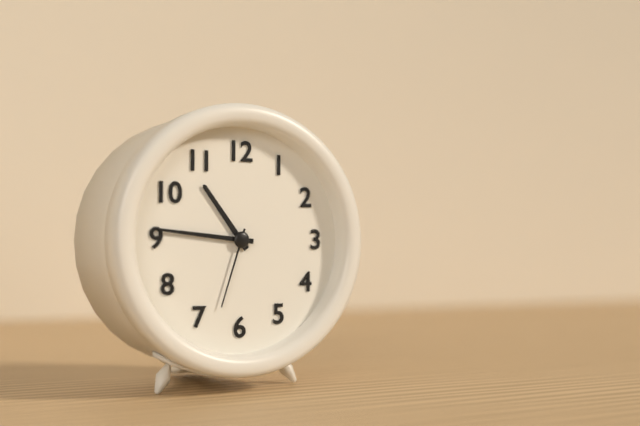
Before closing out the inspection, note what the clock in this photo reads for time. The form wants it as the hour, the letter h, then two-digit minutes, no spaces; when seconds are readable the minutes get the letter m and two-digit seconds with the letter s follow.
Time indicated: 10h46m33s
